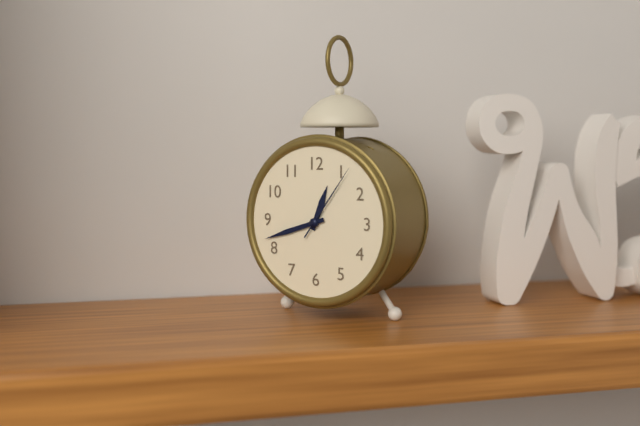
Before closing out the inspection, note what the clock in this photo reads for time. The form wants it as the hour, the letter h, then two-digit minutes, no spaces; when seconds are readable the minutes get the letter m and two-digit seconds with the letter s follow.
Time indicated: 12h42m06s
